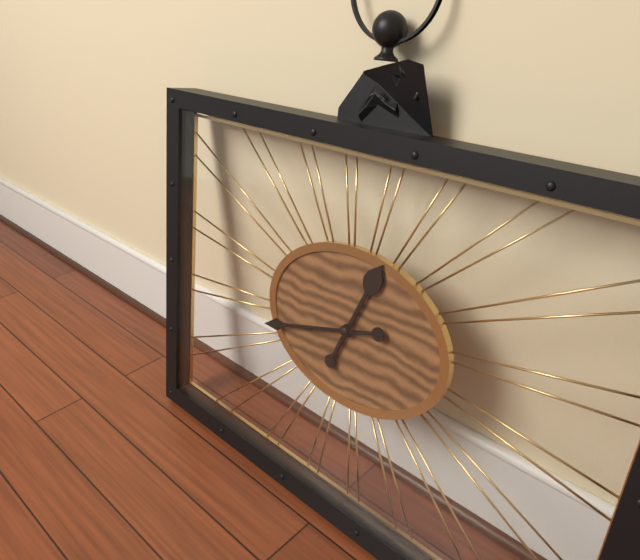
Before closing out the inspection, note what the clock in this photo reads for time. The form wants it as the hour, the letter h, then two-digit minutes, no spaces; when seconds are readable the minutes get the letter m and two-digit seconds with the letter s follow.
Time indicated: 12h42
